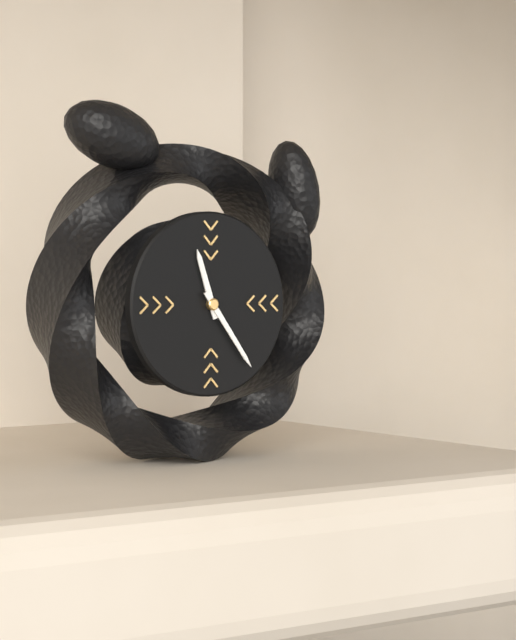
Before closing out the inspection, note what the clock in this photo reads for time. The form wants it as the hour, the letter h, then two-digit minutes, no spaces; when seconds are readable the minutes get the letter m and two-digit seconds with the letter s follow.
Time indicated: 11h24
